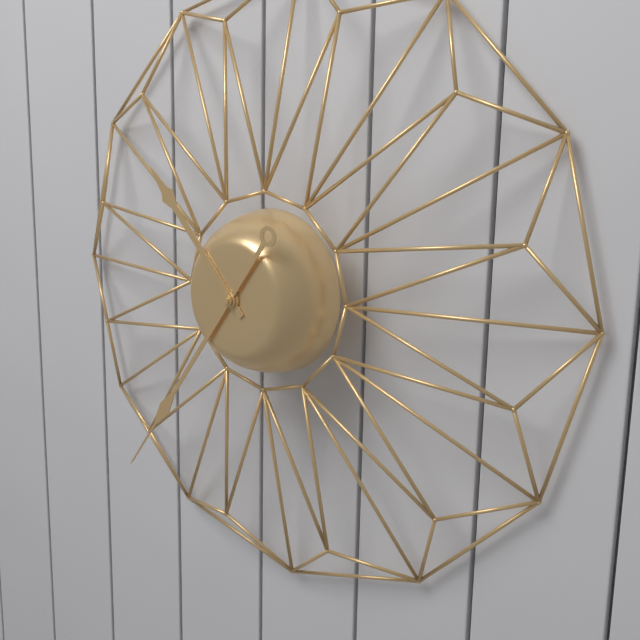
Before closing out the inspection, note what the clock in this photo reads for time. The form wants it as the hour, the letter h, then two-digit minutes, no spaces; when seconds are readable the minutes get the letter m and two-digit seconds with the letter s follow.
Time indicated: 10h36
